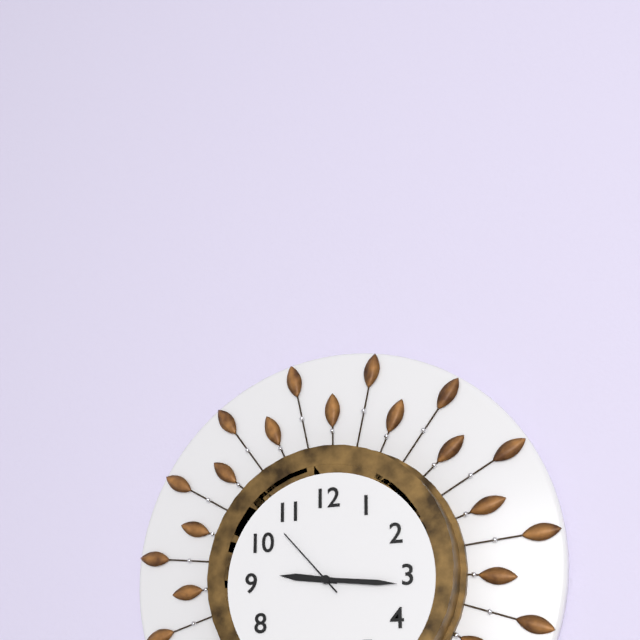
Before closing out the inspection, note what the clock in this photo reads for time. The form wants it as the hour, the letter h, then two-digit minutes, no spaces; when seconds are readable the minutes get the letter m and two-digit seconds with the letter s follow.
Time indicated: 9h16m53s
